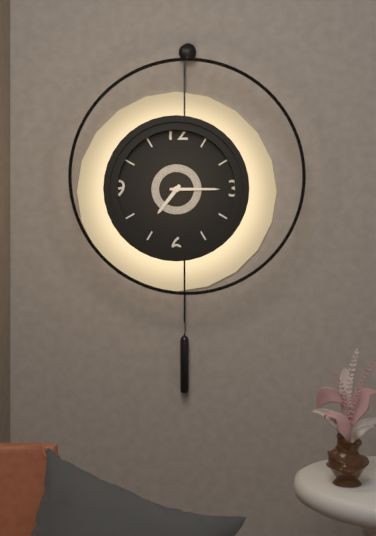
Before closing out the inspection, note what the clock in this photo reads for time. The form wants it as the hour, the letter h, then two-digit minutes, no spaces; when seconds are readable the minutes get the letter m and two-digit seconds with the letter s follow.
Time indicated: 7h15
